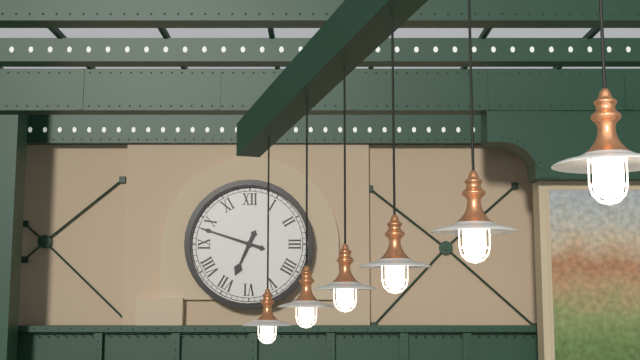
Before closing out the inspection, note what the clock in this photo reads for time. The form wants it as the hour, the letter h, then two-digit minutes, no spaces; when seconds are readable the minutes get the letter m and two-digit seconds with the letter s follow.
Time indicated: 6h48
